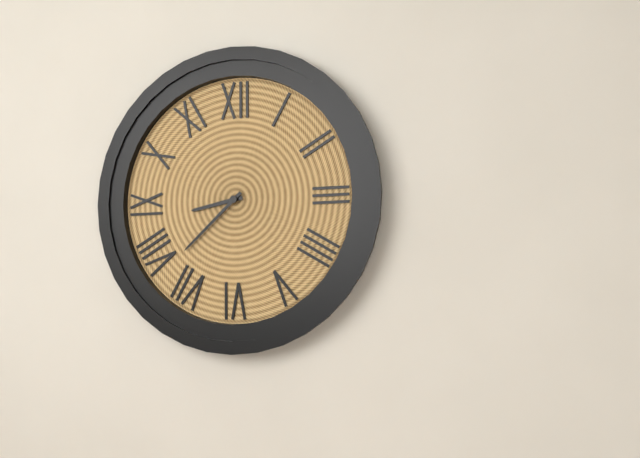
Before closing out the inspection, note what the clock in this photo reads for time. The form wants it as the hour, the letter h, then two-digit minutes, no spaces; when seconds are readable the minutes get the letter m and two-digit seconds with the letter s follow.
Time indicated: 8h38
